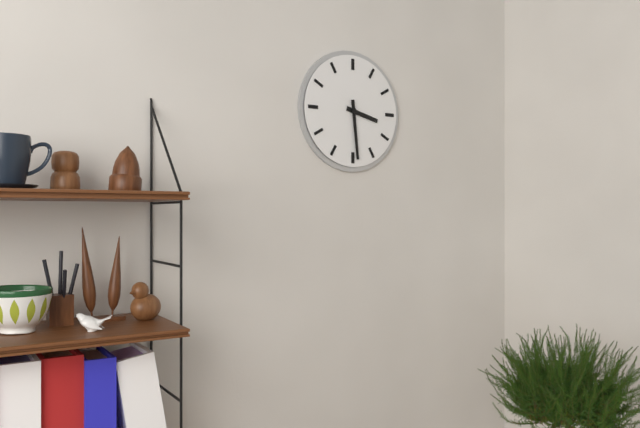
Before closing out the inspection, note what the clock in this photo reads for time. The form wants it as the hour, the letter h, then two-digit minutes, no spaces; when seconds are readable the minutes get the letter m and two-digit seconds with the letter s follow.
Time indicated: 3h29
